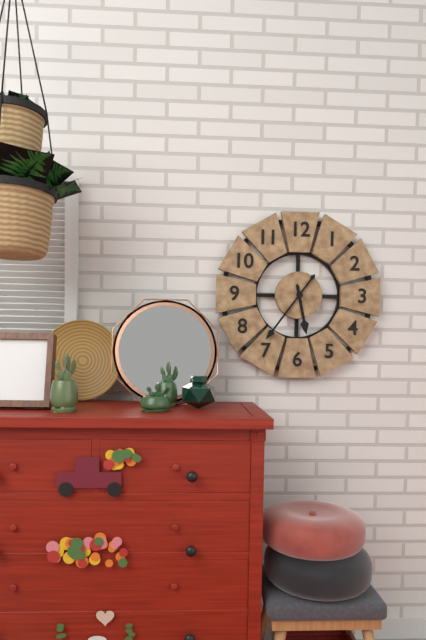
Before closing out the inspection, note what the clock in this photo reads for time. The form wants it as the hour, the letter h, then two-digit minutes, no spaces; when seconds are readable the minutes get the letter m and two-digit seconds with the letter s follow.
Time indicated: 5h36
